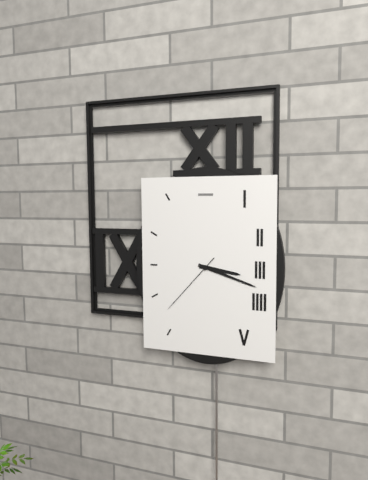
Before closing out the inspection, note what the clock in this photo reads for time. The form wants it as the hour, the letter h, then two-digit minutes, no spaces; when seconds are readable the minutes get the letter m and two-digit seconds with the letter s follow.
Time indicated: 3h18m37s
